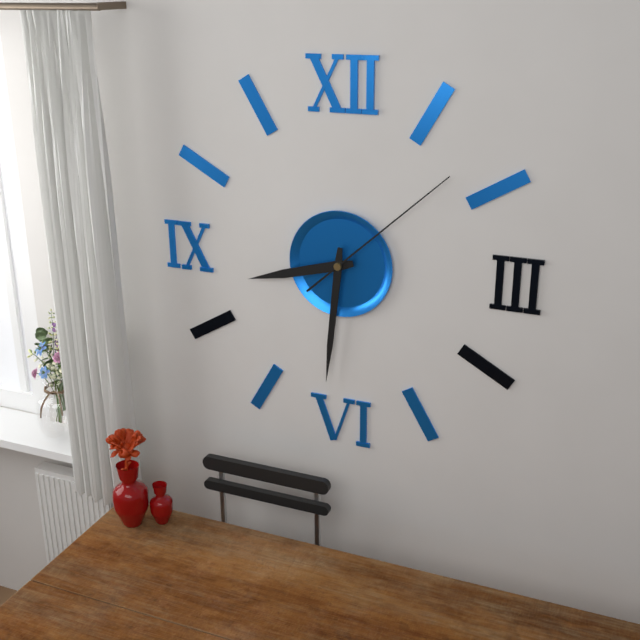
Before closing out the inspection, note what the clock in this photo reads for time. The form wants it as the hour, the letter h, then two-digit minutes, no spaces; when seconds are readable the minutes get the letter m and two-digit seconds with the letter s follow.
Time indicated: 8h31m08s
